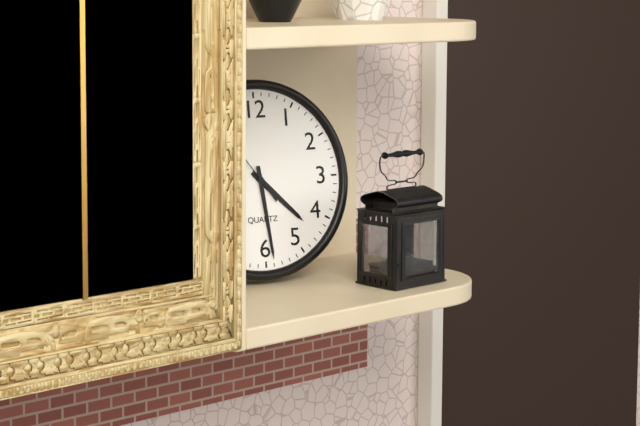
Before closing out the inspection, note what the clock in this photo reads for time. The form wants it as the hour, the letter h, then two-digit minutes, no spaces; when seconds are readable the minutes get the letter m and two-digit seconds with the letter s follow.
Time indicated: 4h29
